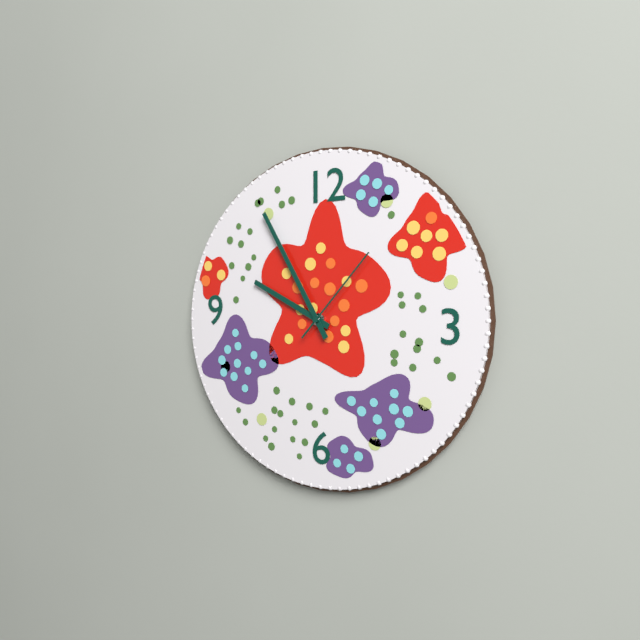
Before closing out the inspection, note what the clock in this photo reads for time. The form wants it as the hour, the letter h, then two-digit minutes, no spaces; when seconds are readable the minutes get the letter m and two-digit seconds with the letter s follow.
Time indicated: 9h55m07s
